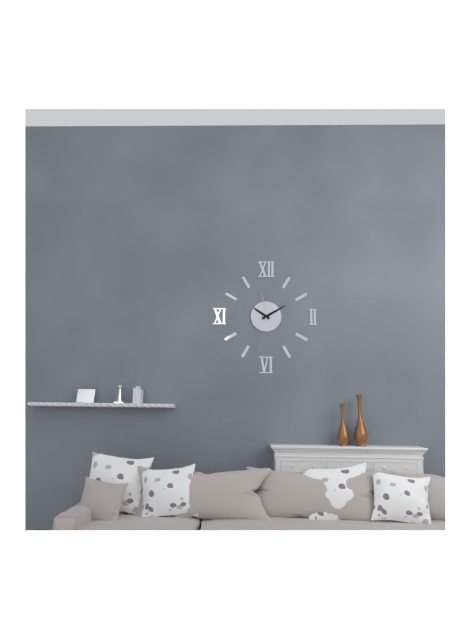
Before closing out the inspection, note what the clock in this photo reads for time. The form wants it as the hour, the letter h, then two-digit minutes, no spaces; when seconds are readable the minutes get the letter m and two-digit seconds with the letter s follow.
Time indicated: 10h10
